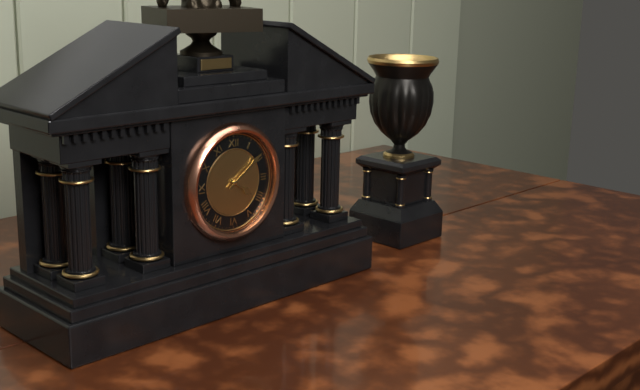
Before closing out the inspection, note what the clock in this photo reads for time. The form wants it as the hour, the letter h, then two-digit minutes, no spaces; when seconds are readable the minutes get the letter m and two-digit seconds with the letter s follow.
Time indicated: 4h09
